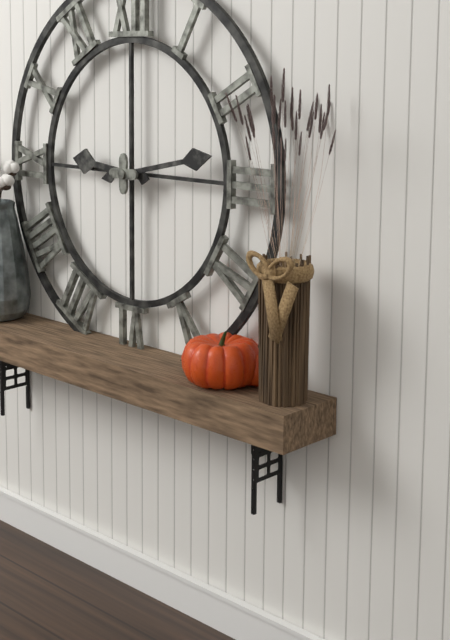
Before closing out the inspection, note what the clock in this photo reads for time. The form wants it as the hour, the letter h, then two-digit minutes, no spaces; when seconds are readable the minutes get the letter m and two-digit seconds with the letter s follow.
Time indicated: 9h13
